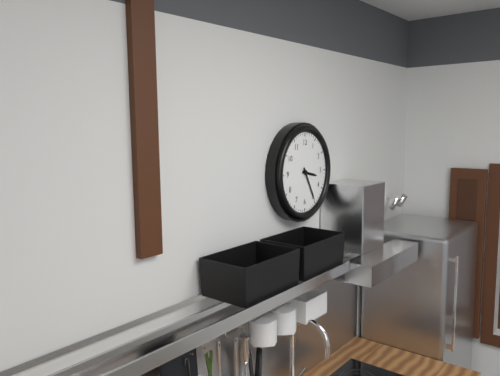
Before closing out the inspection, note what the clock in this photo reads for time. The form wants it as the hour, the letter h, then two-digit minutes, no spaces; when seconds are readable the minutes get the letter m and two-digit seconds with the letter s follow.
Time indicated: 3h25
